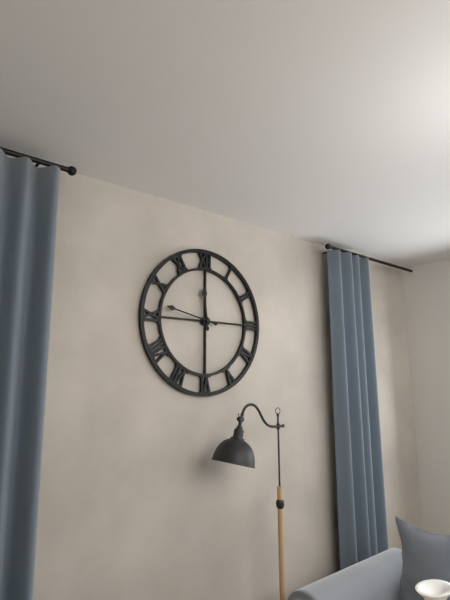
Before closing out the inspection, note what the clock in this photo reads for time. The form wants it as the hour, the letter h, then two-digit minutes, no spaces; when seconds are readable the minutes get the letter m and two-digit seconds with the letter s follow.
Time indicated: 11h47
